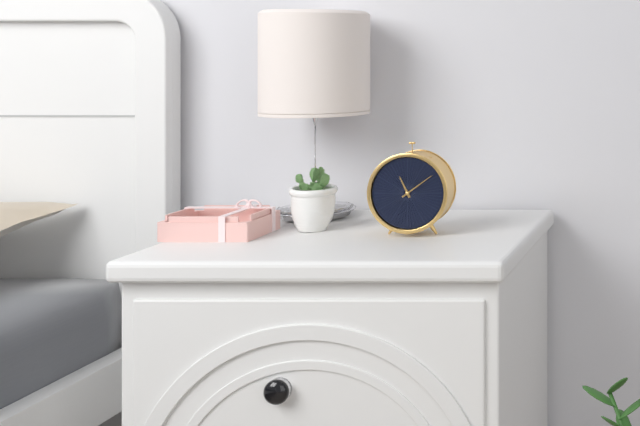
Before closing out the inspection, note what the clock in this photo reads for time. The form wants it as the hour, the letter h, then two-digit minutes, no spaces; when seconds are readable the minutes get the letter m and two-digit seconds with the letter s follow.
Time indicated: 11h09
